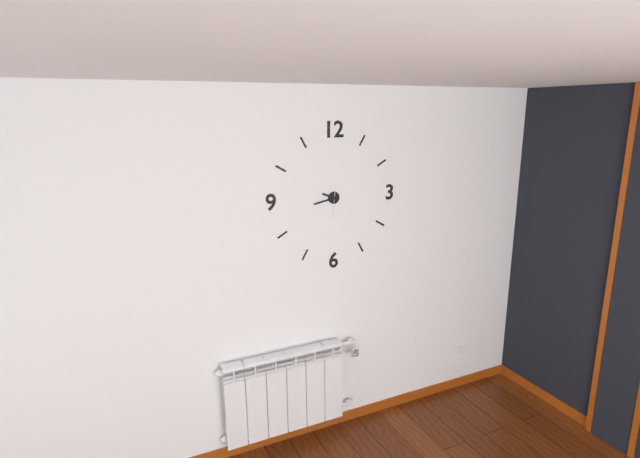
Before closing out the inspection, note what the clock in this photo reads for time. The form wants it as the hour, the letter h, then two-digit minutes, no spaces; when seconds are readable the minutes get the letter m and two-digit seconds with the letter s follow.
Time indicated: 9h43
